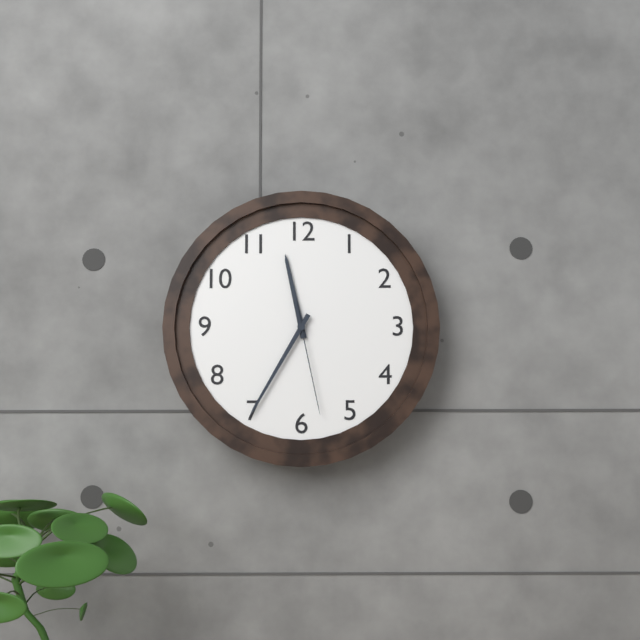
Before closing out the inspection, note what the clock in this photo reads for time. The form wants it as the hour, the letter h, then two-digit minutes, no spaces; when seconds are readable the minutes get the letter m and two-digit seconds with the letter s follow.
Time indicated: 11h35m28s
